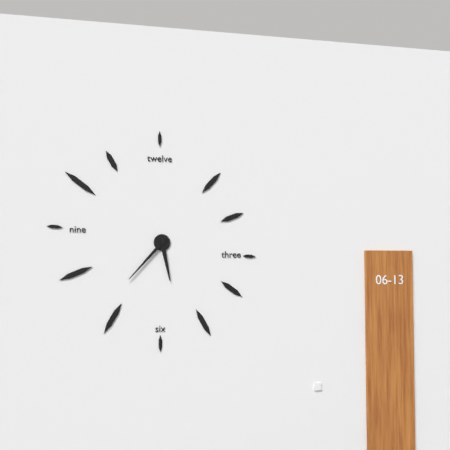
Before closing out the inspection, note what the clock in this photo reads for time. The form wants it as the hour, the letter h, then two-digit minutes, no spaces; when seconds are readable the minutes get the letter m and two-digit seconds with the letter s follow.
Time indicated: 5h37
